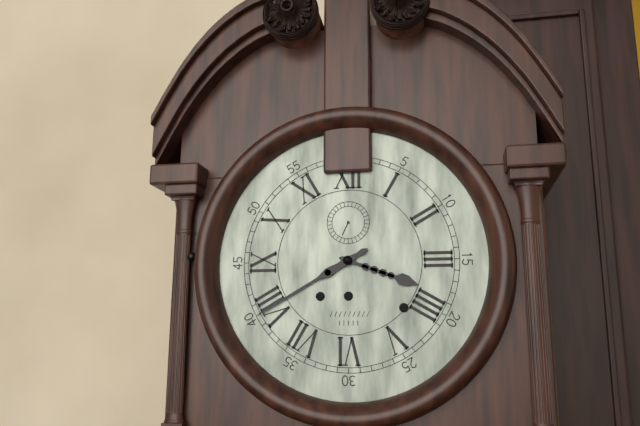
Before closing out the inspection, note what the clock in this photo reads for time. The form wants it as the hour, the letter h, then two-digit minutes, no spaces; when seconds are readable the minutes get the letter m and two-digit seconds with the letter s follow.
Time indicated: 3h40
